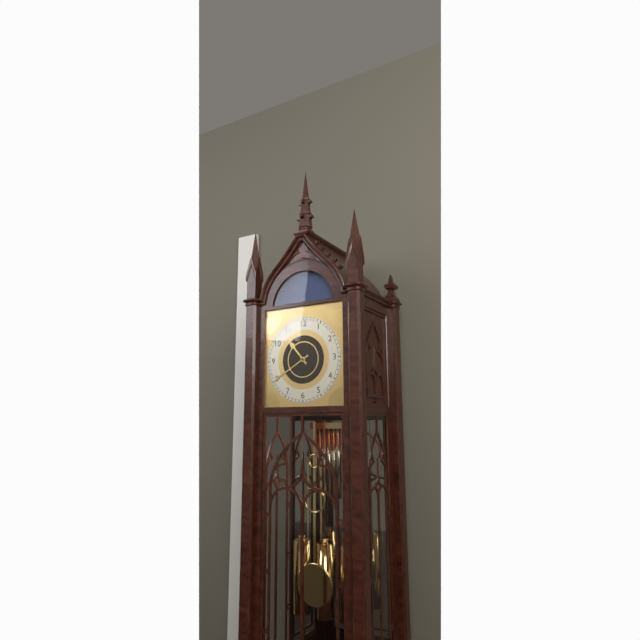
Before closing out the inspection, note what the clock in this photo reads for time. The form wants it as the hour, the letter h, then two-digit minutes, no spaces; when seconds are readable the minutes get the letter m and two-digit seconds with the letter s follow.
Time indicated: 10h40
